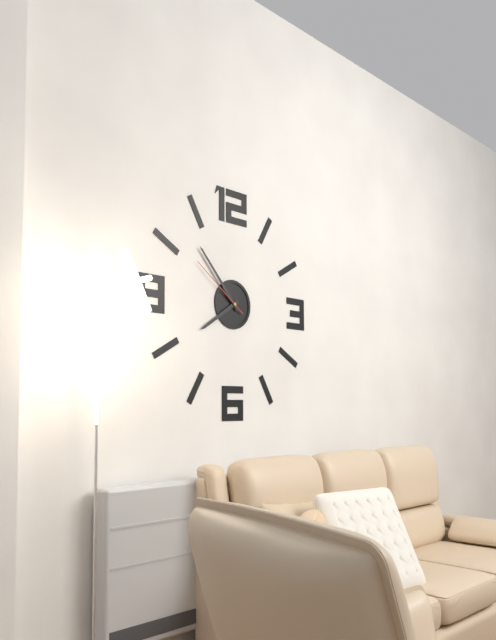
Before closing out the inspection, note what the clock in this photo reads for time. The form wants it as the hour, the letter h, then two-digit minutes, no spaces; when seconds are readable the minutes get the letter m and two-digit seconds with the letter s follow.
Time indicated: 7h53m51s
